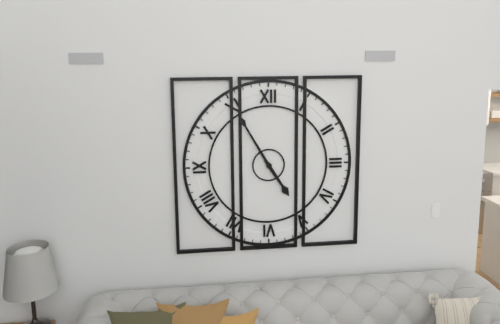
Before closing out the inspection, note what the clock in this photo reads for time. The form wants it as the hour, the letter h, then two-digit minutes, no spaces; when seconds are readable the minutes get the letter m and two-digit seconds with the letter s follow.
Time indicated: 4h55
